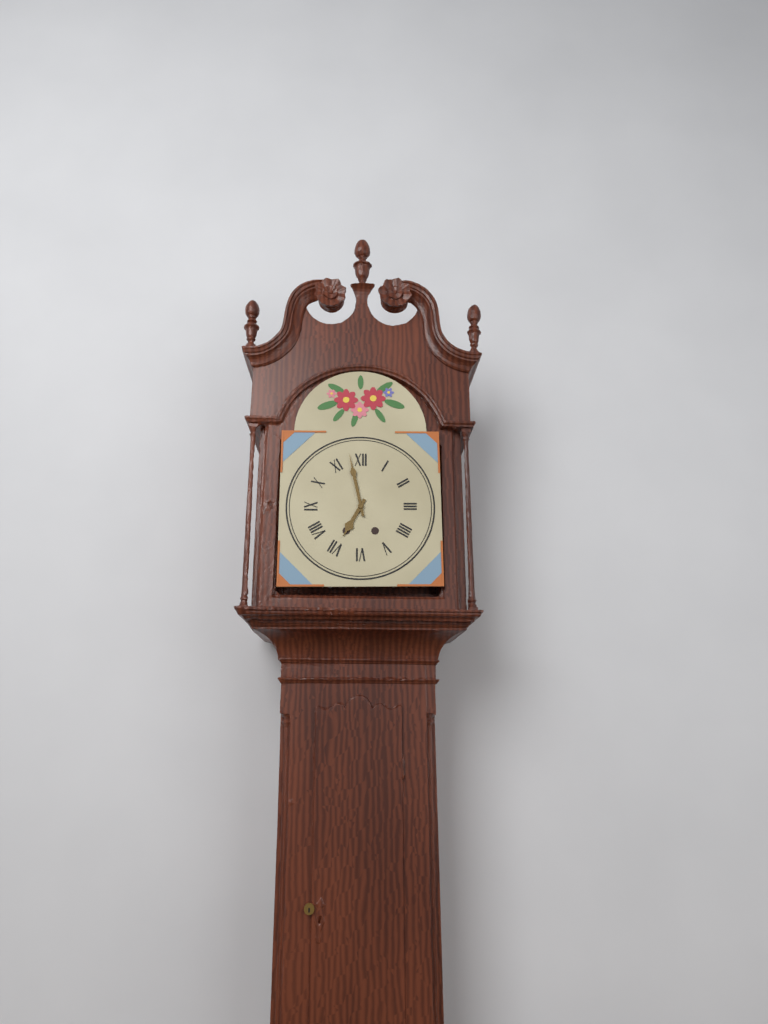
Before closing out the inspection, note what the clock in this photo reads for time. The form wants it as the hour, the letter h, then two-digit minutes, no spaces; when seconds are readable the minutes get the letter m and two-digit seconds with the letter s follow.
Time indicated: 6h58
